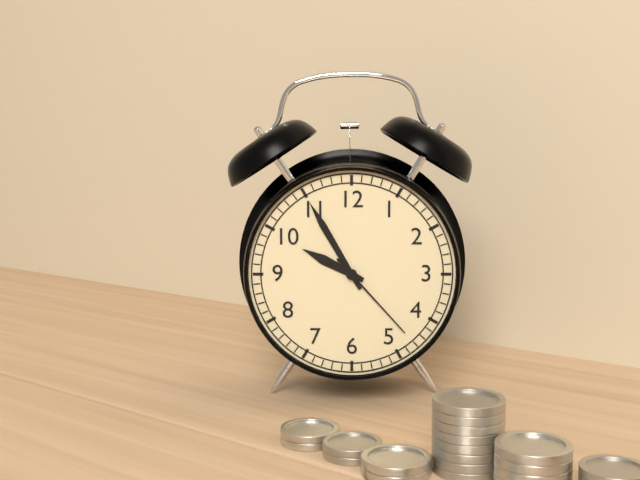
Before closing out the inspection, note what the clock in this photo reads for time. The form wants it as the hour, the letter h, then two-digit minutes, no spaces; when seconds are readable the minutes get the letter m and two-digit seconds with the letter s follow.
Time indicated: 9h55m23s
